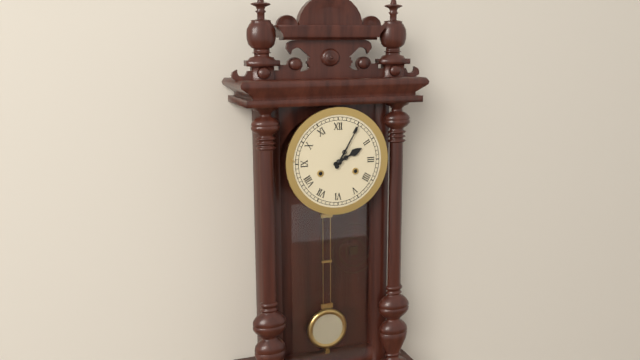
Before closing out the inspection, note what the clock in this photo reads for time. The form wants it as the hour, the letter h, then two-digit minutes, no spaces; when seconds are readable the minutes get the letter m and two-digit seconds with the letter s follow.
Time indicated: 2h05
